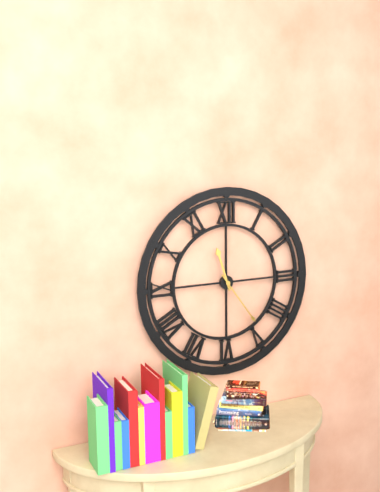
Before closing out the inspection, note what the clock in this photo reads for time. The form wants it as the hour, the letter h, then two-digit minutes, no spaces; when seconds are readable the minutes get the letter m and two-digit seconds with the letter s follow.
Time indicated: 11h24
